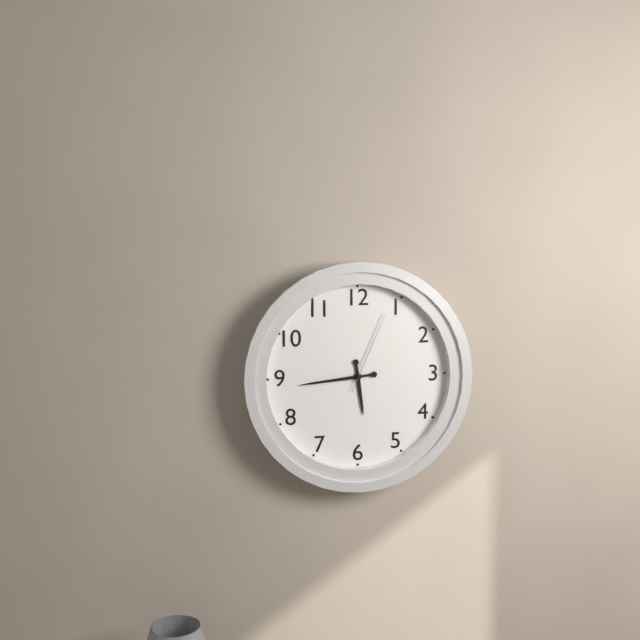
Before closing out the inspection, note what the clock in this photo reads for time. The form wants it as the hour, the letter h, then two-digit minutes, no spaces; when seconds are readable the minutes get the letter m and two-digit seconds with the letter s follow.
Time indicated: 5h44m04s
